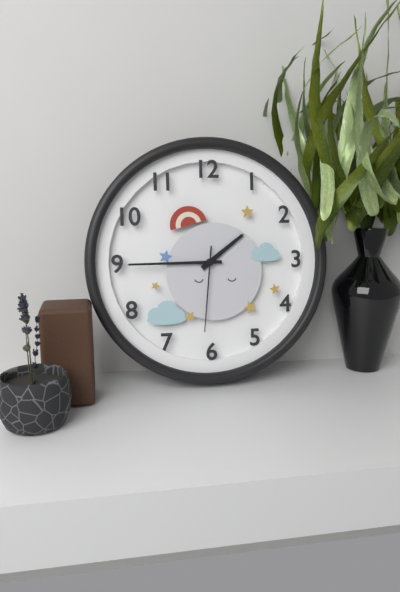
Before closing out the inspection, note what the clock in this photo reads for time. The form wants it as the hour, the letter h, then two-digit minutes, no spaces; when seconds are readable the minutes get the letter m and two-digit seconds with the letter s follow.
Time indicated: 1h45m31s
